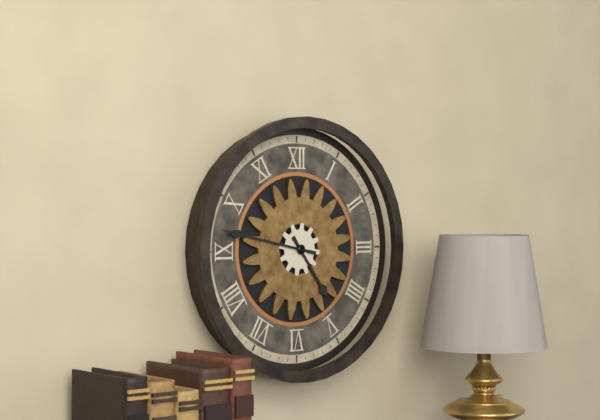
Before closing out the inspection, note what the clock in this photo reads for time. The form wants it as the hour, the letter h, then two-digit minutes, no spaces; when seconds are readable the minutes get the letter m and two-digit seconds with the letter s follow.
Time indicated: 4h47
